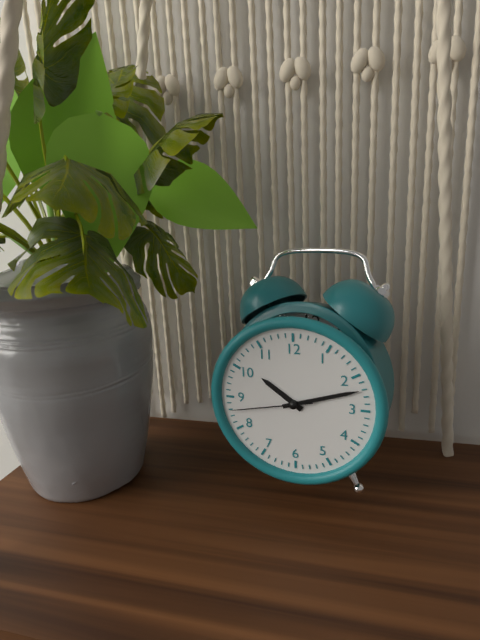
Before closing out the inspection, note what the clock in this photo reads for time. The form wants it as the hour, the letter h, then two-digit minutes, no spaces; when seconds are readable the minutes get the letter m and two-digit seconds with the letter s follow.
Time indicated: 10h12m43s
